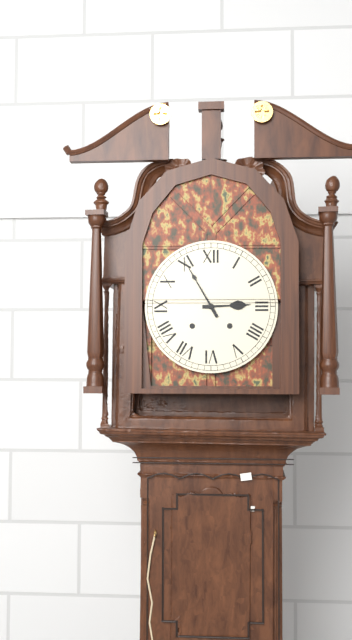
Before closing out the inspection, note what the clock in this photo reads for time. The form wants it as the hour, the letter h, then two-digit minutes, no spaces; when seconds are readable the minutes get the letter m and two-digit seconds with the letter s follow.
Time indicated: 2h55
